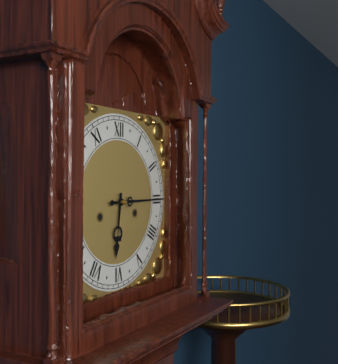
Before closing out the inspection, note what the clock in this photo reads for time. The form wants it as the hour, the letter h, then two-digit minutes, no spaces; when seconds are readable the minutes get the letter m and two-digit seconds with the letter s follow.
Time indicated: 6h15
